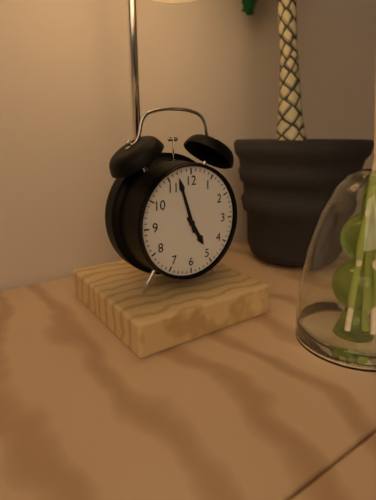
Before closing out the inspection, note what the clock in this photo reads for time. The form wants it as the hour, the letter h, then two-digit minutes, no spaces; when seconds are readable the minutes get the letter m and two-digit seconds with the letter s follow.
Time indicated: 4h57
